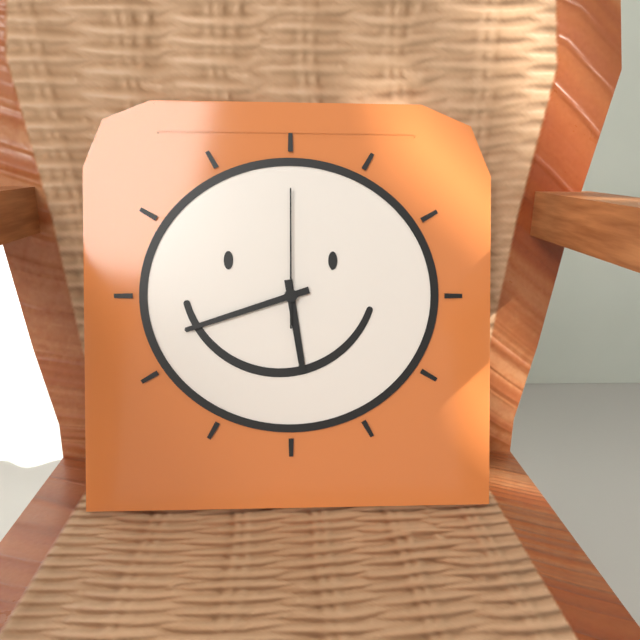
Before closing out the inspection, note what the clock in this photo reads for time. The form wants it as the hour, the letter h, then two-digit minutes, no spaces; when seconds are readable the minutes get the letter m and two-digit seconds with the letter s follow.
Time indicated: 5h42m00s
